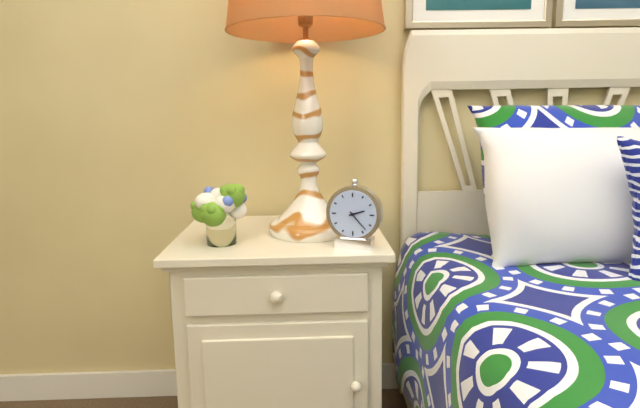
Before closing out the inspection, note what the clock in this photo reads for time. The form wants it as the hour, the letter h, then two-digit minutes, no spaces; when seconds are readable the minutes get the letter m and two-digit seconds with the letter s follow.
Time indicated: 2h23
